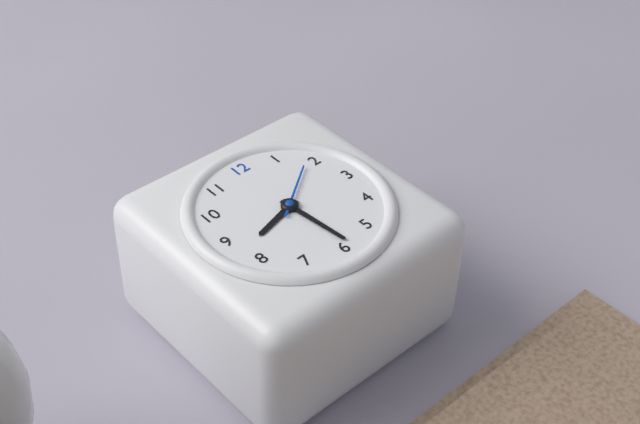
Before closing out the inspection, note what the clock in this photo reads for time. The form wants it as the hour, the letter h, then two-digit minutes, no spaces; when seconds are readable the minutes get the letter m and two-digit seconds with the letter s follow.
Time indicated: 8h29m09s
